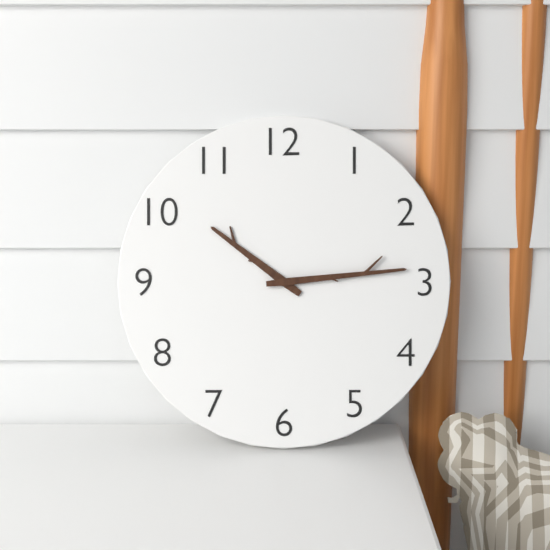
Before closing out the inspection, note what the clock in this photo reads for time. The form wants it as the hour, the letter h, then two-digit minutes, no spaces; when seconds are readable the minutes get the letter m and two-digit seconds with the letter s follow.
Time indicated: 10h14
